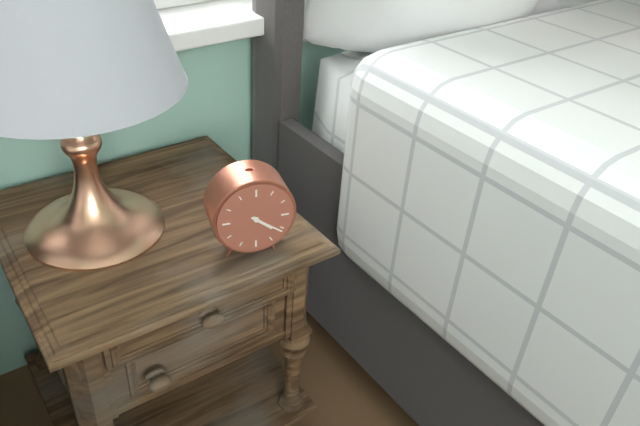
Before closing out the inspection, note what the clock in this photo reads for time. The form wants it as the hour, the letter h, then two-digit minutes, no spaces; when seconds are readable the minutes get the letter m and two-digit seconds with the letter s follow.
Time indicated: 4h21
